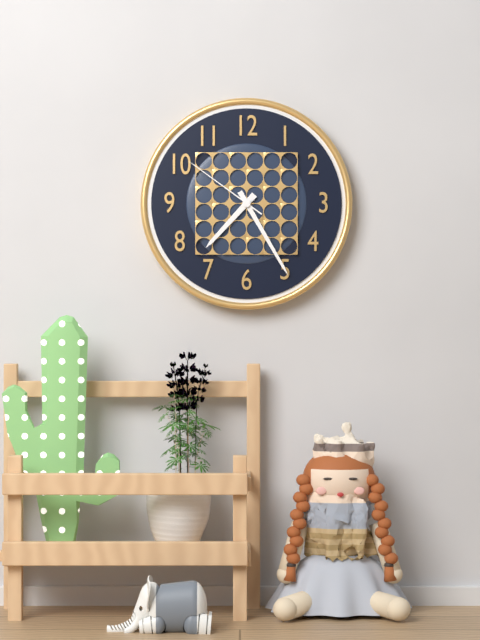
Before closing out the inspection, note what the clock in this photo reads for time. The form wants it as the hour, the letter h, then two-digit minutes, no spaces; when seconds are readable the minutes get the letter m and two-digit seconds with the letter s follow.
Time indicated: 7h25m51s
